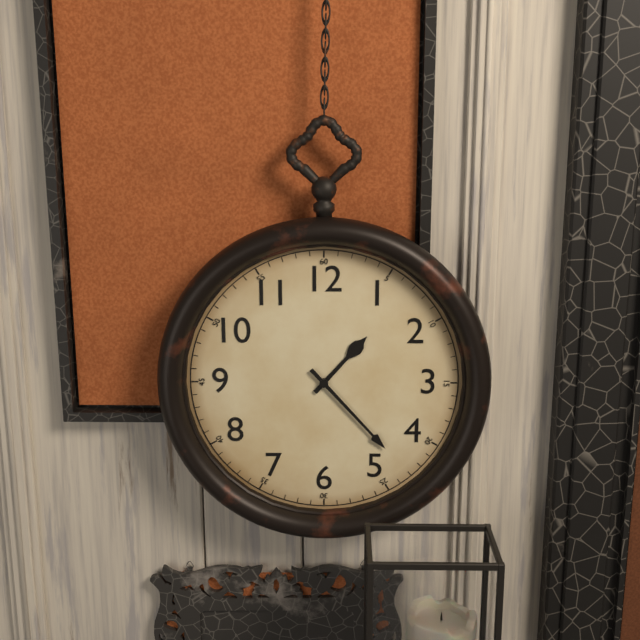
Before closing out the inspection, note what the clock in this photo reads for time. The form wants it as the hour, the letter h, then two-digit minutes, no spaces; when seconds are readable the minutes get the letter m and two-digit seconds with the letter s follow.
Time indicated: 1h23
